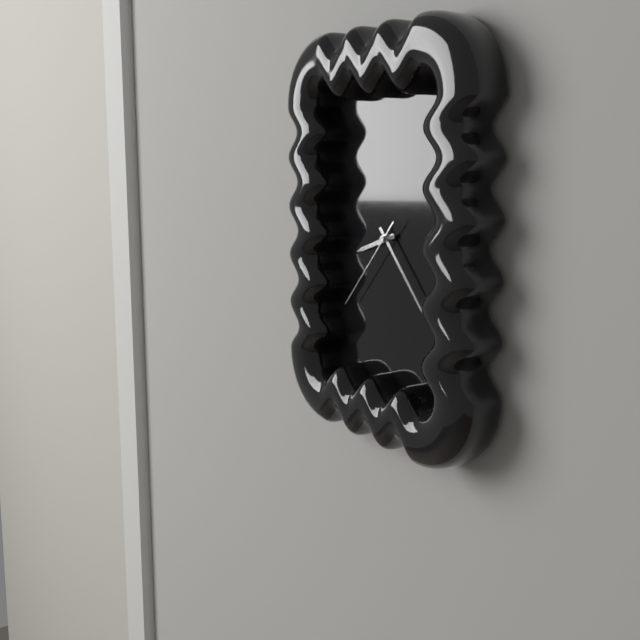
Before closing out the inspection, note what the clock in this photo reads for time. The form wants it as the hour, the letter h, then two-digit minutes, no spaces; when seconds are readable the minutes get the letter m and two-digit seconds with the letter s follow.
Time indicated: 8h23m37s
